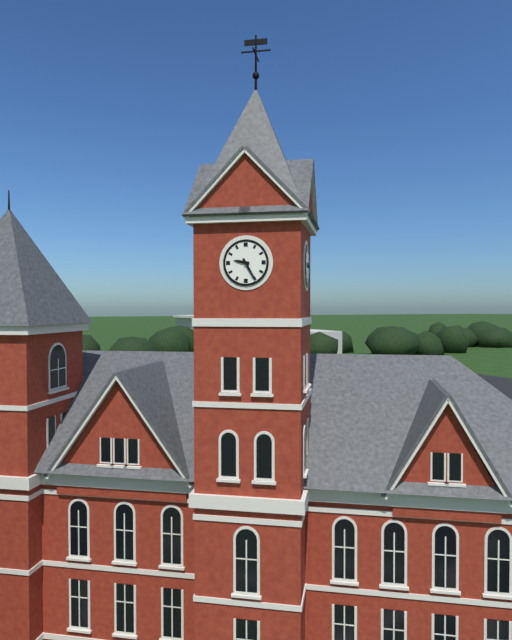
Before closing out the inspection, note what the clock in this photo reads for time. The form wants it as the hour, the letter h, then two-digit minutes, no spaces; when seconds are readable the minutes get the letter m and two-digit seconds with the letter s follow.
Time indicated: 9h25
